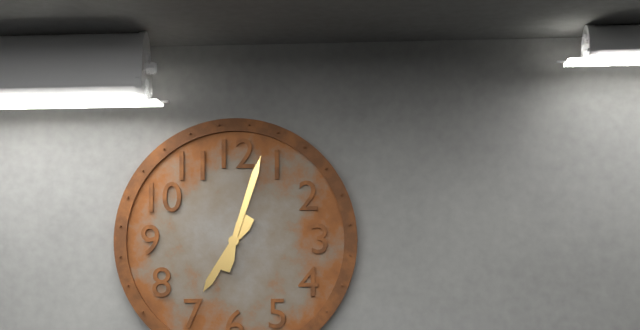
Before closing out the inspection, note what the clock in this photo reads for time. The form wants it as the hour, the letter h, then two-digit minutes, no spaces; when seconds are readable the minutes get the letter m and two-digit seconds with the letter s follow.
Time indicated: 7h03
